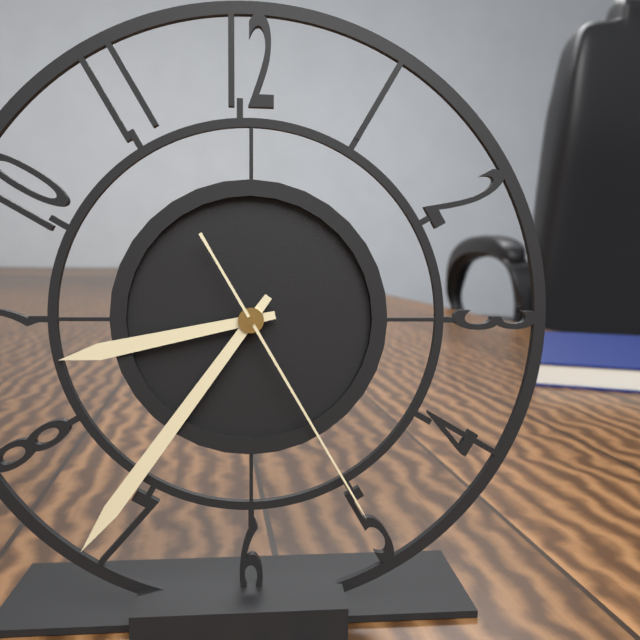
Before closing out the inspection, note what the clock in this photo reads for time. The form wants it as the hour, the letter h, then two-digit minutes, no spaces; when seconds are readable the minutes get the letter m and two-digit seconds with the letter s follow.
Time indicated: 8h36m25s
